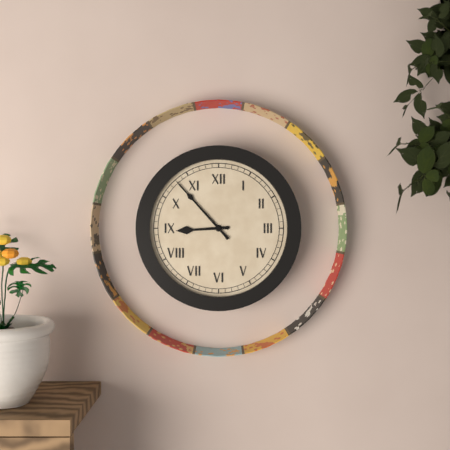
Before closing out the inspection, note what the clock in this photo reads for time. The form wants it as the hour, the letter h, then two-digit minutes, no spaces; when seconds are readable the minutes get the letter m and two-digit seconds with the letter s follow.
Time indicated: 8h53
